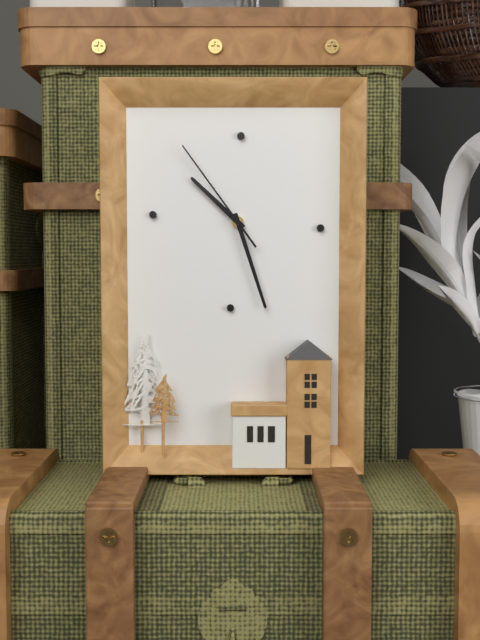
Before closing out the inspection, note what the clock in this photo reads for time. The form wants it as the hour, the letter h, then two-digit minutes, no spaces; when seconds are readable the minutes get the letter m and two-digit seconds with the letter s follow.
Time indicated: 10h27m54s
